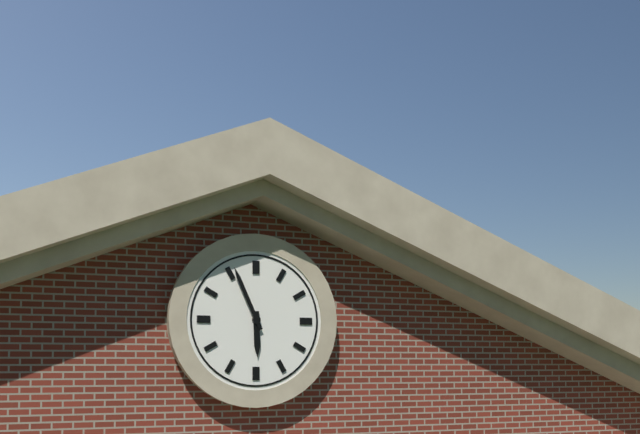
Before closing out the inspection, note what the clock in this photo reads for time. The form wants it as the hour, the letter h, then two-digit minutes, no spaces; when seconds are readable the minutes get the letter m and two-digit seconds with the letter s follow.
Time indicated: 5h56
